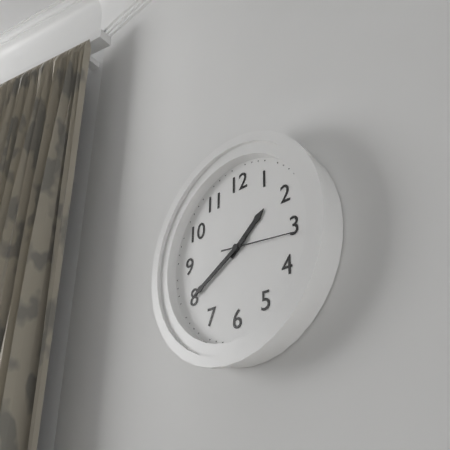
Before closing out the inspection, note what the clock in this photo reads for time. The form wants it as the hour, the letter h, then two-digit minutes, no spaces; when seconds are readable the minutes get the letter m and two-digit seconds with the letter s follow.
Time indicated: 1h40m16s
